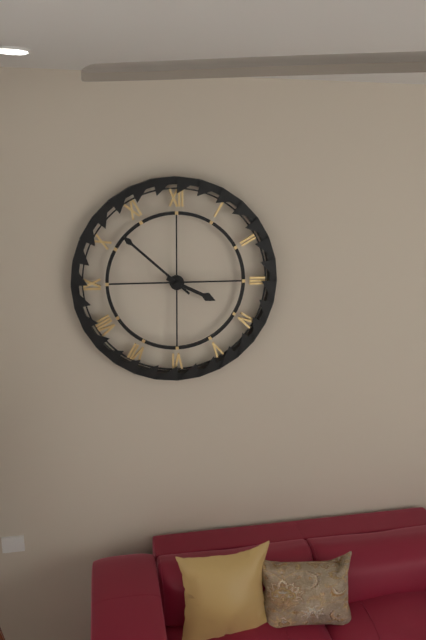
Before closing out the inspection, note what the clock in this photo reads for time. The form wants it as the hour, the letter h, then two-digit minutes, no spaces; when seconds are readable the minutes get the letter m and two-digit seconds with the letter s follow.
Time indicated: 3h52
